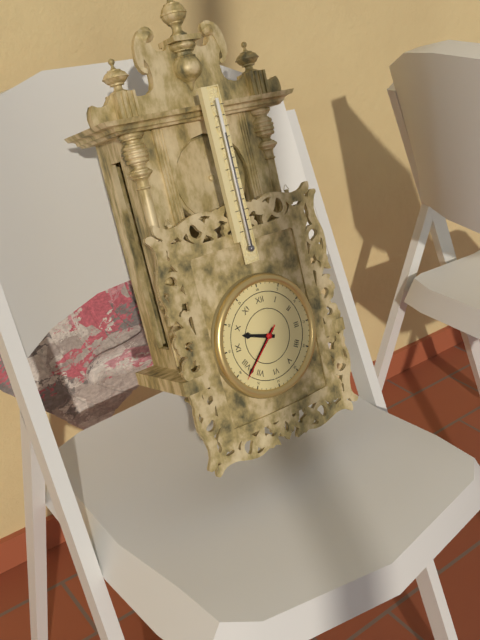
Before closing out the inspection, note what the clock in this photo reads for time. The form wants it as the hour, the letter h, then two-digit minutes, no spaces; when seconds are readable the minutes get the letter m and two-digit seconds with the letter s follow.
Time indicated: 9h38m38s
